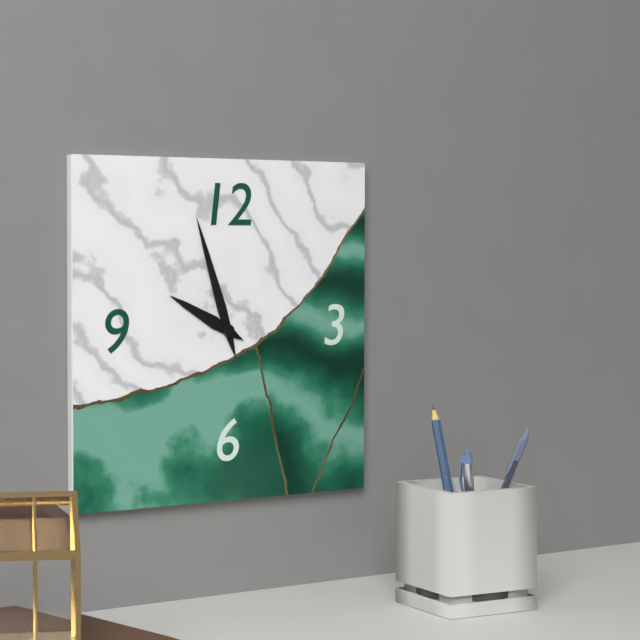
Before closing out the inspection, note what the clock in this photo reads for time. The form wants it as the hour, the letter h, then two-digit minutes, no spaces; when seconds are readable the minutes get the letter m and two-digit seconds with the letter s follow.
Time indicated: 9h57
